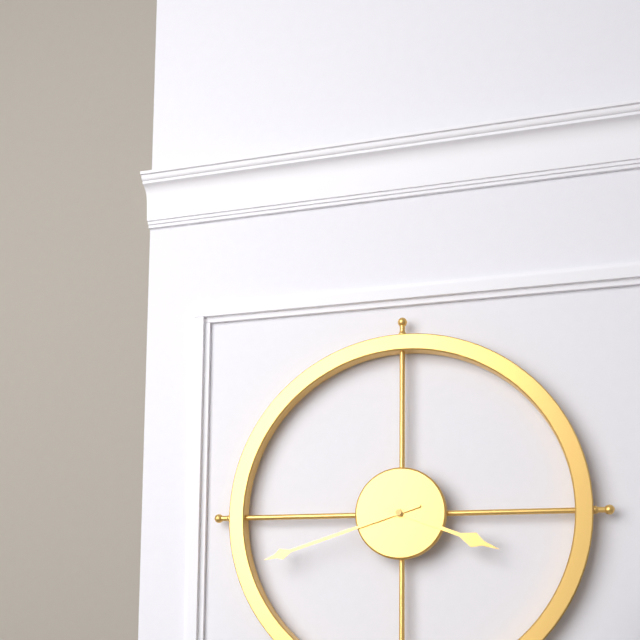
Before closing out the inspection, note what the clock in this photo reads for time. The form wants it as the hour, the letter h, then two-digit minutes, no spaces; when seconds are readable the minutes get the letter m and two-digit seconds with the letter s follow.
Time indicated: 3h42
